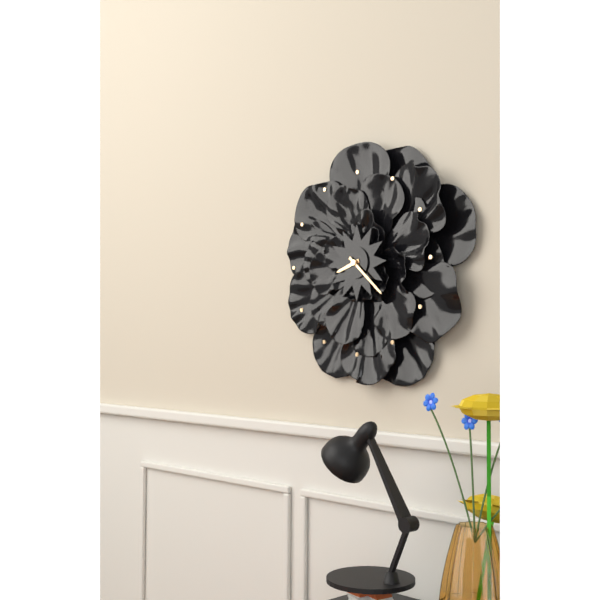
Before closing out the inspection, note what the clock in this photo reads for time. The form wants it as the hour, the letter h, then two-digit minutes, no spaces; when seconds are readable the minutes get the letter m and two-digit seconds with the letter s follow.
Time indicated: 8h22
